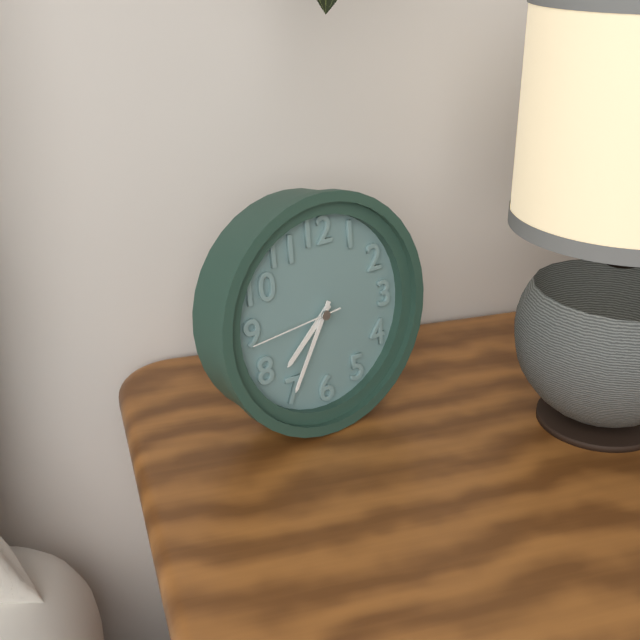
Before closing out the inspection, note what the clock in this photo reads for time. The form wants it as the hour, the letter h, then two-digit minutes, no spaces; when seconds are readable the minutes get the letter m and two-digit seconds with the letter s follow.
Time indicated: 7h35m44s
